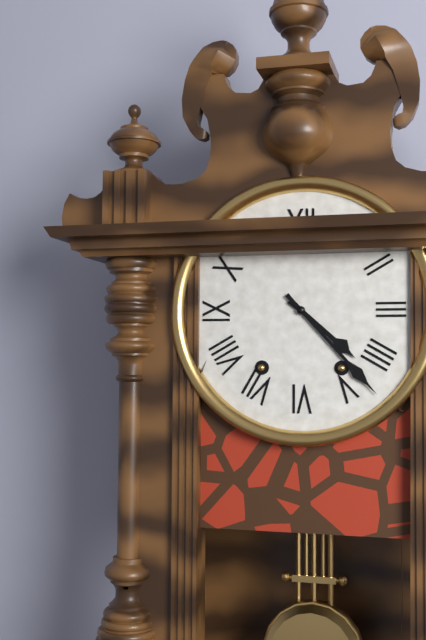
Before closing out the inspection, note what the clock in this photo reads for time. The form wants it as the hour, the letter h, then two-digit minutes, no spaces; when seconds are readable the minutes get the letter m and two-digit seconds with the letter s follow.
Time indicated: 4h23
